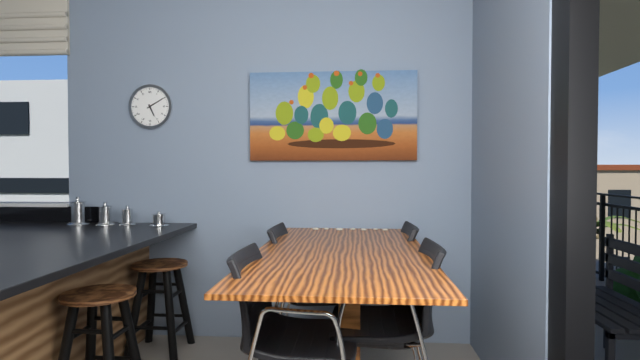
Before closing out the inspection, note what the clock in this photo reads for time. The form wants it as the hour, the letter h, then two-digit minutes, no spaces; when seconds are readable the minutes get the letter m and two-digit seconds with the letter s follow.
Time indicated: 5h10
